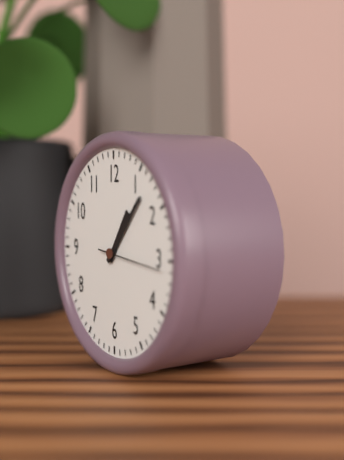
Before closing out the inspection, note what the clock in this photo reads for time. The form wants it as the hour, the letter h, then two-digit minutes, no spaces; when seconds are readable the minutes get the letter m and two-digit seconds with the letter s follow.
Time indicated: 1h07m16s
